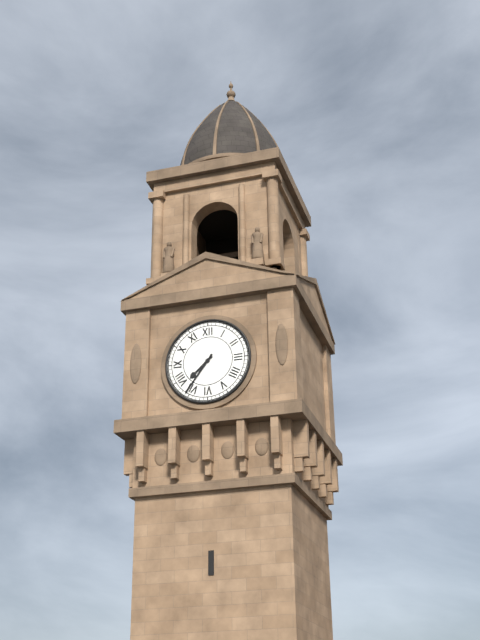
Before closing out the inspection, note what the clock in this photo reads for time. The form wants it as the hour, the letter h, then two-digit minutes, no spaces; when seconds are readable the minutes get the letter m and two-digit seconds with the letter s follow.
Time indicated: 7h36
